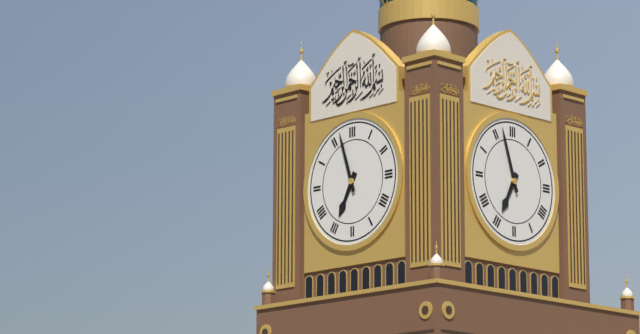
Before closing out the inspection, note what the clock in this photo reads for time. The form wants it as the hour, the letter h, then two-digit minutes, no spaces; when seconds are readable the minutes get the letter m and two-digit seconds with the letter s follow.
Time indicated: 6h57
